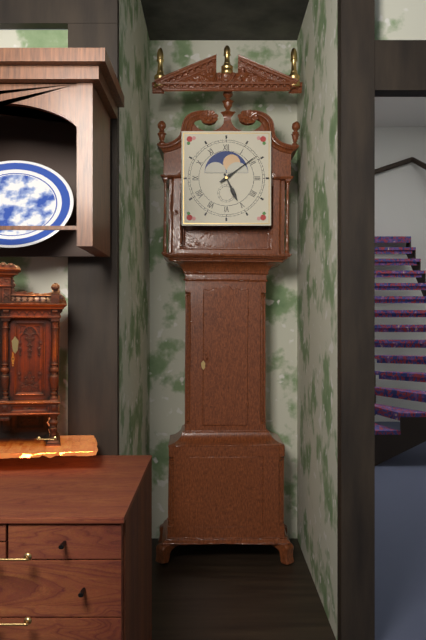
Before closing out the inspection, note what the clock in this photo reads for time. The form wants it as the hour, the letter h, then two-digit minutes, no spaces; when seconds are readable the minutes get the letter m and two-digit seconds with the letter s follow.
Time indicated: 5h09
